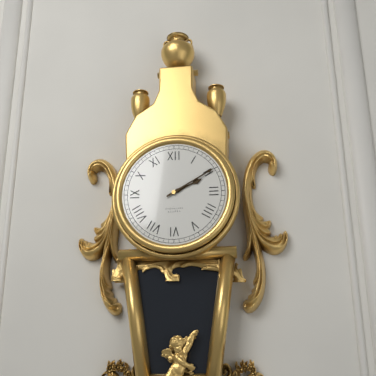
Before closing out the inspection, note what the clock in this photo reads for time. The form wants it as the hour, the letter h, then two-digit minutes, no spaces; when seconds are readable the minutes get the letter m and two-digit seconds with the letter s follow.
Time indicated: 2h10
